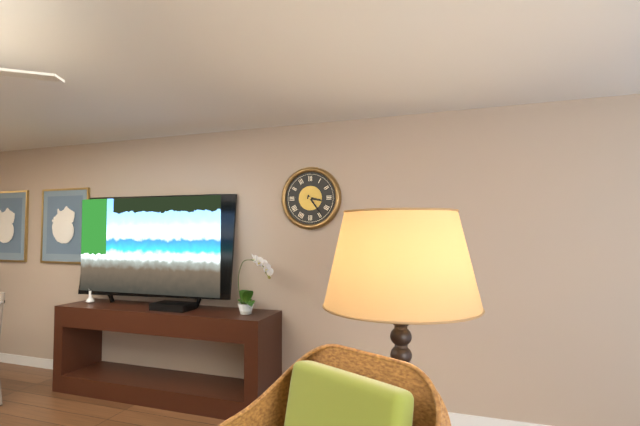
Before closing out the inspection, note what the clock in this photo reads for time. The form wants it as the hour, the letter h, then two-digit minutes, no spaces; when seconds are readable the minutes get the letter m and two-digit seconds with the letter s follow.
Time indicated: 3h24
